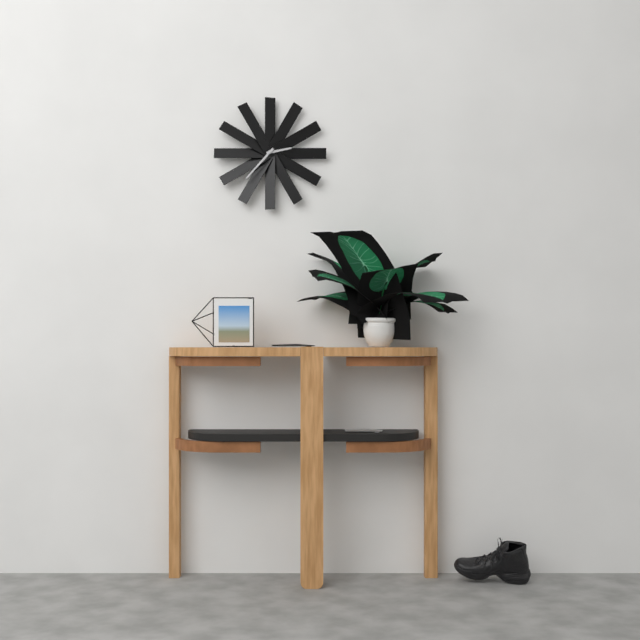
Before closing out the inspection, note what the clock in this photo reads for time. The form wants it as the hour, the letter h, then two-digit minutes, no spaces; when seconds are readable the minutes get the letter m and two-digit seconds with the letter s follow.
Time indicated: 2h37
